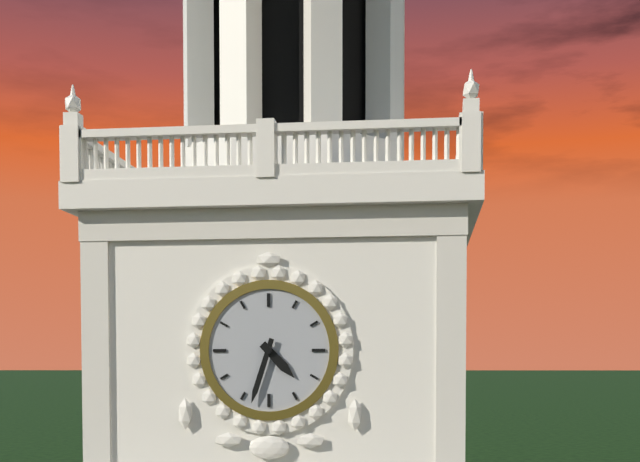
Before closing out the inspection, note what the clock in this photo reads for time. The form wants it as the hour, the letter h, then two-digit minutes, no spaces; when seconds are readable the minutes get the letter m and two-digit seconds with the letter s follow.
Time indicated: 4h33
